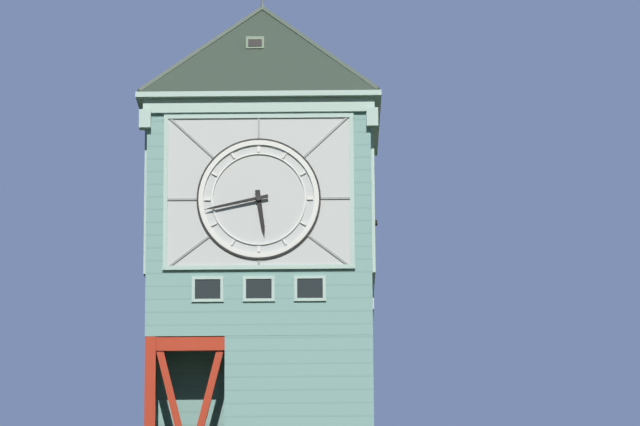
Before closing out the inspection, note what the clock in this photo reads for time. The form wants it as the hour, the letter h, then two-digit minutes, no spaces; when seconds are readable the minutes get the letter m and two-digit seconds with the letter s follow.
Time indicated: 5h43
